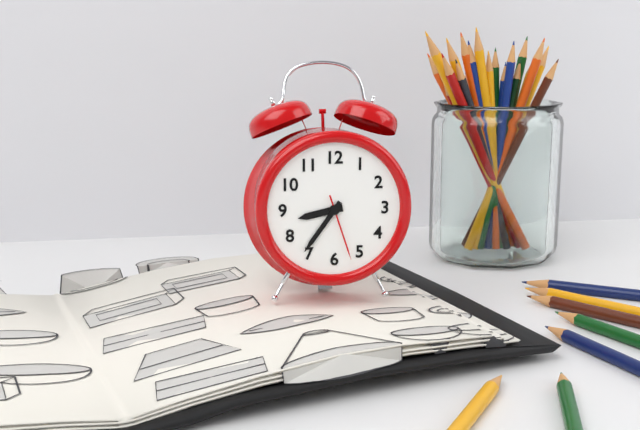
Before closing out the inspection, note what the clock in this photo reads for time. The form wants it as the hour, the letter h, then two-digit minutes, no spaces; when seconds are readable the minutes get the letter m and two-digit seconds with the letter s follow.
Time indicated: 8h36m27s
